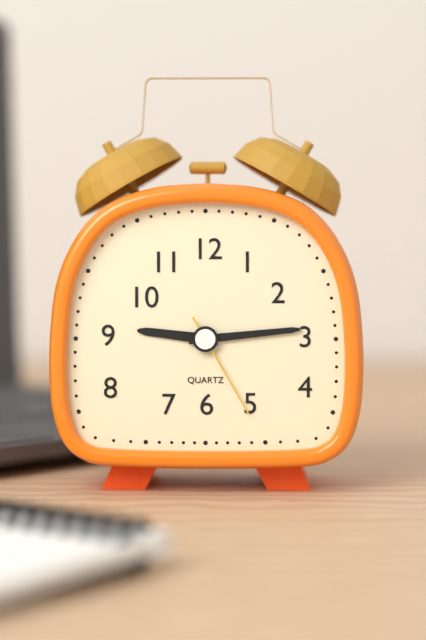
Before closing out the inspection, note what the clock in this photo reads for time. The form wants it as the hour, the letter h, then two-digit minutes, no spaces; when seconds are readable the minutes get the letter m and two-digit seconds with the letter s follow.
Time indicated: 9h14m25s
